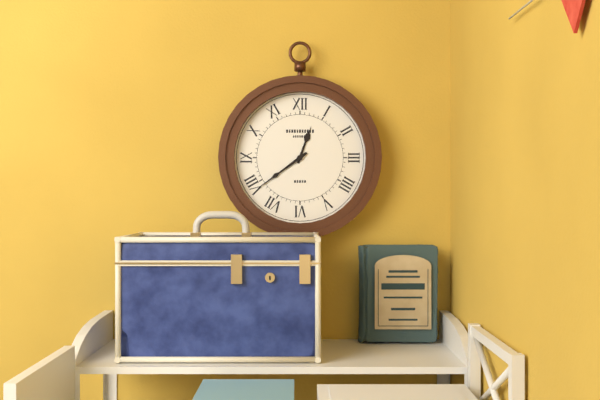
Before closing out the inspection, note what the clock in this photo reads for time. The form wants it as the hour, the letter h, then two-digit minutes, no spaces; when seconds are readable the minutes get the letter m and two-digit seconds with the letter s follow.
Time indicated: 12h39
